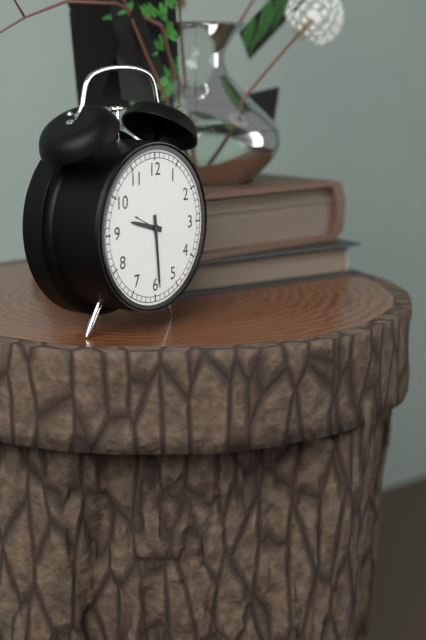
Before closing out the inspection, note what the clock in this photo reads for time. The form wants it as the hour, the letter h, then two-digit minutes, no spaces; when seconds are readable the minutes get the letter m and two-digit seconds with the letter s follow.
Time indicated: 9h29
